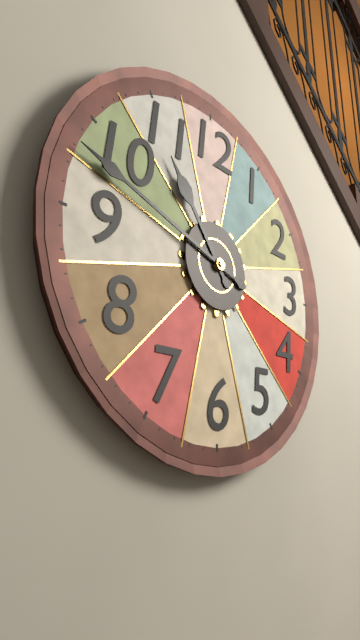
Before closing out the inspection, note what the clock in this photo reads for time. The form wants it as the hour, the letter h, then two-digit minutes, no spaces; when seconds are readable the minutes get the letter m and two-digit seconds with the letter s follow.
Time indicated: 10h48
